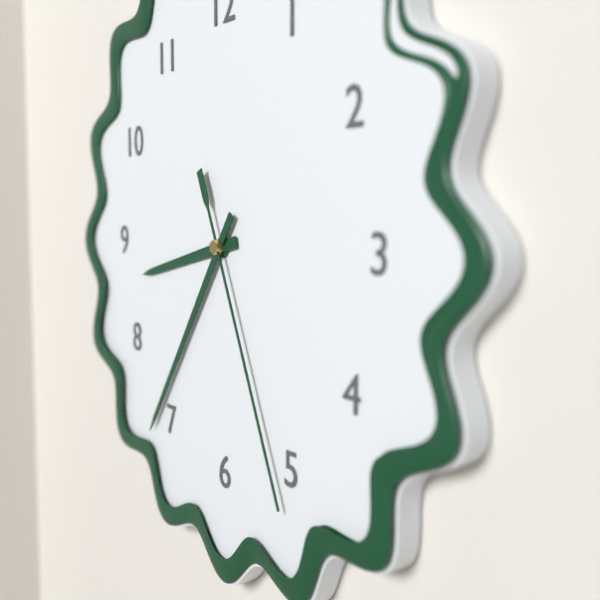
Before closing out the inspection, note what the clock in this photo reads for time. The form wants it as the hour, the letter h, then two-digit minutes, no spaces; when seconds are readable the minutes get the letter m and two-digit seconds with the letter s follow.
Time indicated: 8h36m26s
